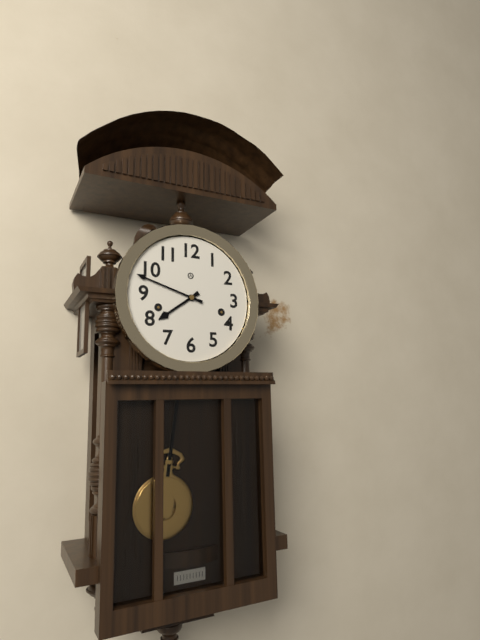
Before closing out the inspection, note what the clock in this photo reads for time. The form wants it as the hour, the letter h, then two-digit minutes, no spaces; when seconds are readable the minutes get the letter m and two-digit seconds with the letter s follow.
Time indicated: 7h48
